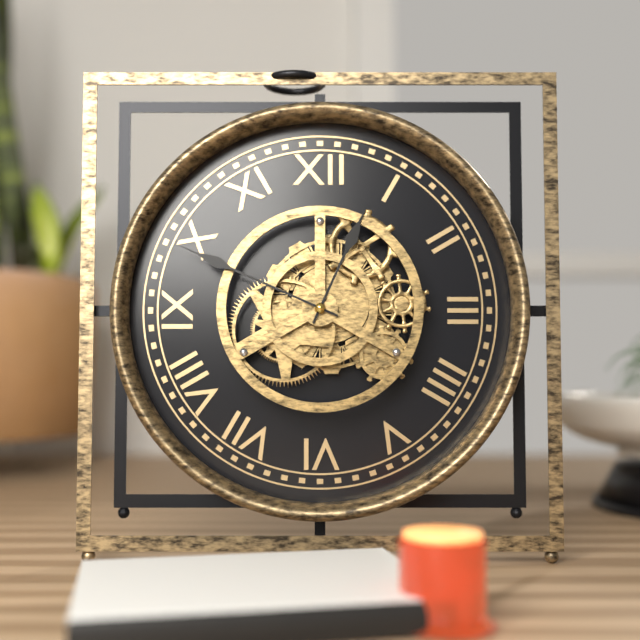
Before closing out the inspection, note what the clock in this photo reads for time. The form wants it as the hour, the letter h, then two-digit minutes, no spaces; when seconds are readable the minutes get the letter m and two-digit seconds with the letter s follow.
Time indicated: 12h49
